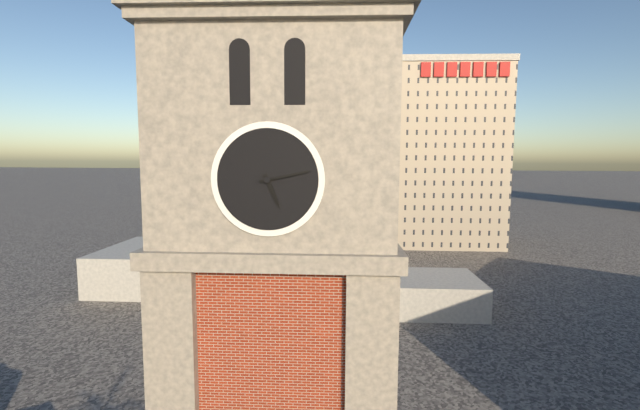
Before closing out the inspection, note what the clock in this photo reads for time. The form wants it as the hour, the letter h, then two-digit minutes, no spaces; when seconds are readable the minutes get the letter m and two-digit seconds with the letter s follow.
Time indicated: 5h13
